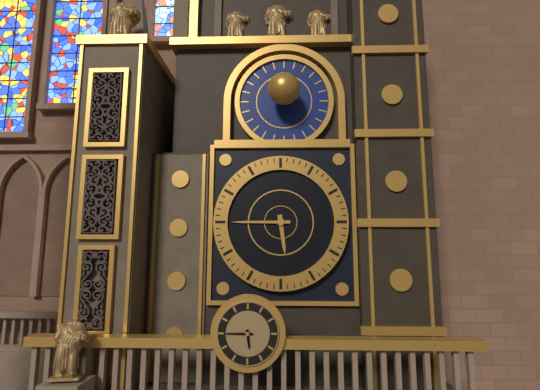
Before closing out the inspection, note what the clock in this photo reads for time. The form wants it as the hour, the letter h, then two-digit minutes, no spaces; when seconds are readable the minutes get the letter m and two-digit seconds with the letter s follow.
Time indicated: 5h45
